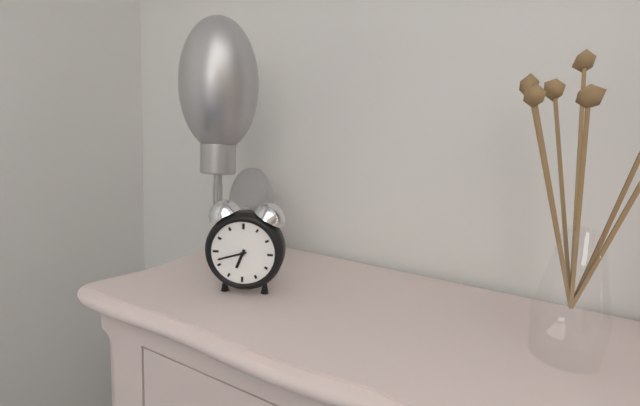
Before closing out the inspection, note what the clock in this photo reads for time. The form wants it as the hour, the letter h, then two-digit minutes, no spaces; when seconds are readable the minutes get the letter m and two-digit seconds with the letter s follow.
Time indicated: 6h42
